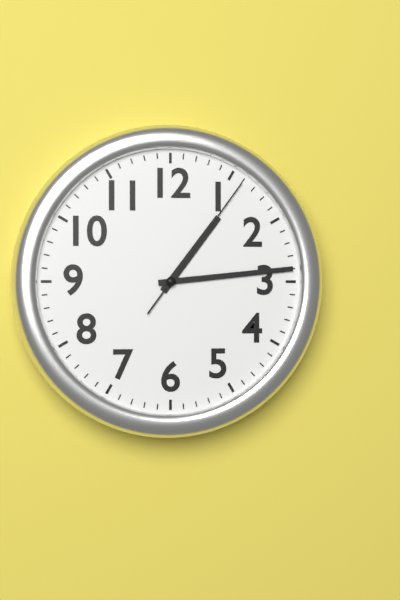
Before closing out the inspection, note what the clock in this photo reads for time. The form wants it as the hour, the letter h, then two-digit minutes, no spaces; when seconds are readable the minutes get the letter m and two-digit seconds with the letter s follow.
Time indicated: 1h14m06s
